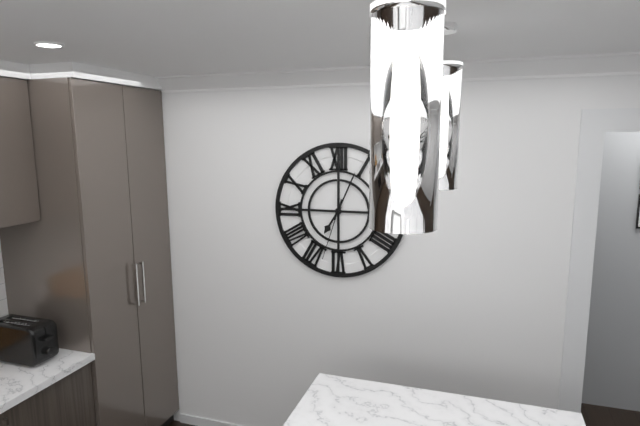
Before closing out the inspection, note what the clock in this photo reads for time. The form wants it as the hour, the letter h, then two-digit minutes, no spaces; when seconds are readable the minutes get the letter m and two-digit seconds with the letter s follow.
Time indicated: 7h04m33s
